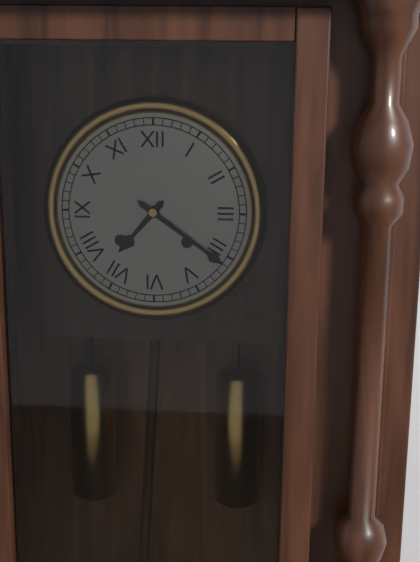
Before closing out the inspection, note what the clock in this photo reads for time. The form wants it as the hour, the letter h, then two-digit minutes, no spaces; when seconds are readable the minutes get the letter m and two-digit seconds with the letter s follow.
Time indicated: 7h21
